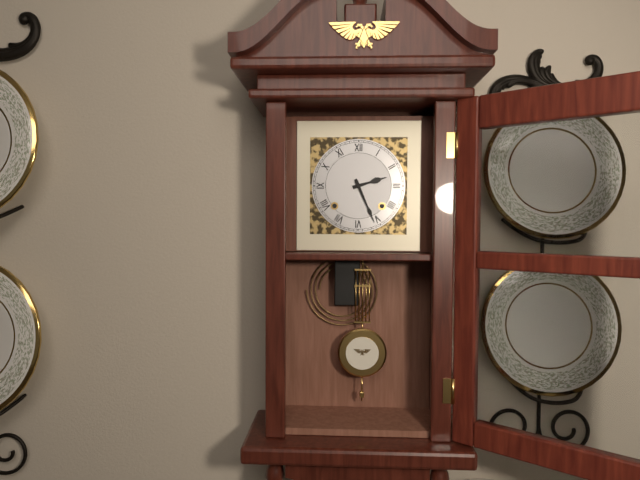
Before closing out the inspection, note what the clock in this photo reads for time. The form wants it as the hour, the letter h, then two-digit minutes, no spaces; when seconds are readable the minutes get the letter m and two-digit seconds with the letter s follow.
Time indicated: 2h26
